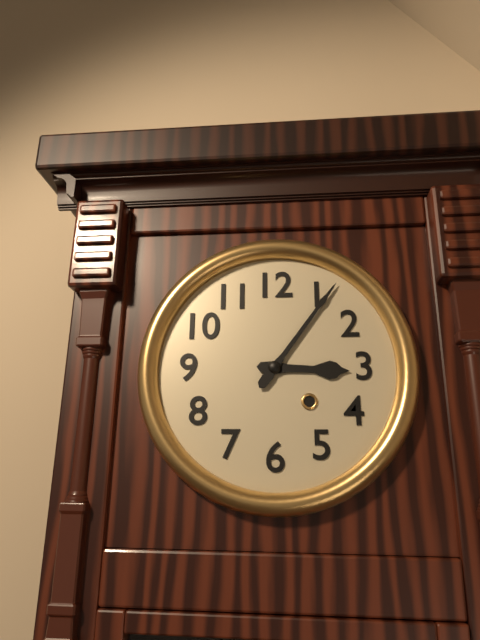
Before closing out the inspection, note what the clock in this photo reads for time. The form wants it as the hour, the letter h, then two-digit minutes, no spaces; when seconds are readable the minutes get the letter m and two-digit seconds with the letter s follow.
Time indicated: 3h06
